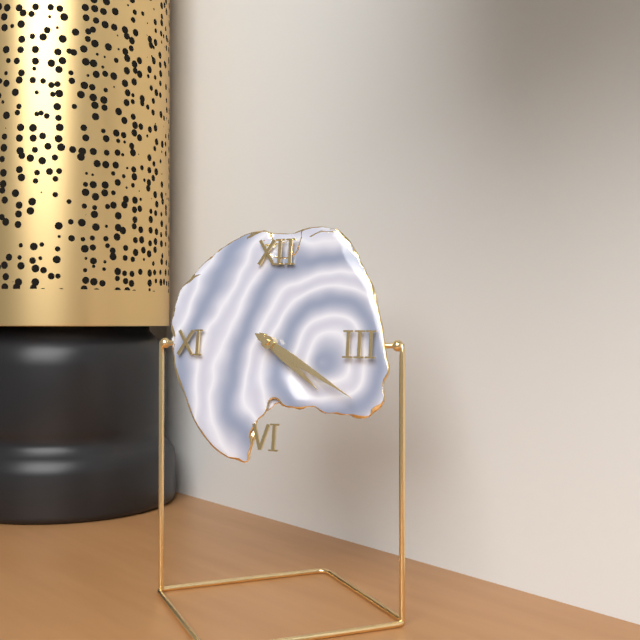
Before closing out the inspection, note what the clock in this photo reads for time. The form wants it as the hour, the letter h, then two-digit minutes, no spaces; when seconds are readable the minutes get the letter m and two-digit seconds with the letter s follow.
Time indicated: 4h20
